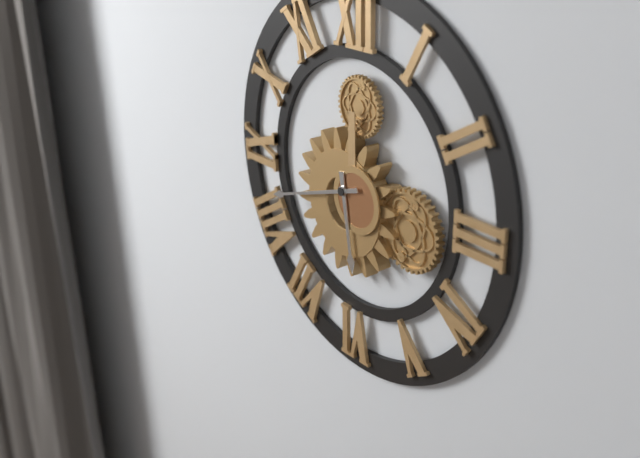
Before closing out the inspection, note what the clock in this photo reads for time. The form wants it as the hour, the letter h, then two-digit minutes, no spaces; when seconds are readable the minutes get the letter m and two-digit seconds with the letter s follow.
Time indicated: 5h42
